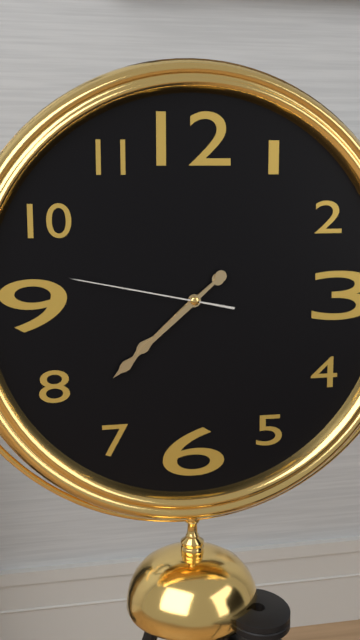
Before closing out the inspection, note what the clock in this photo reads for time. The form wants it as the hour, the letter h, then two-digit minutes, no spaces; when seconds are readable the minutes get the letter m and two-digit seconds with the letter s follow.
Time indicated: 7h38m47s
